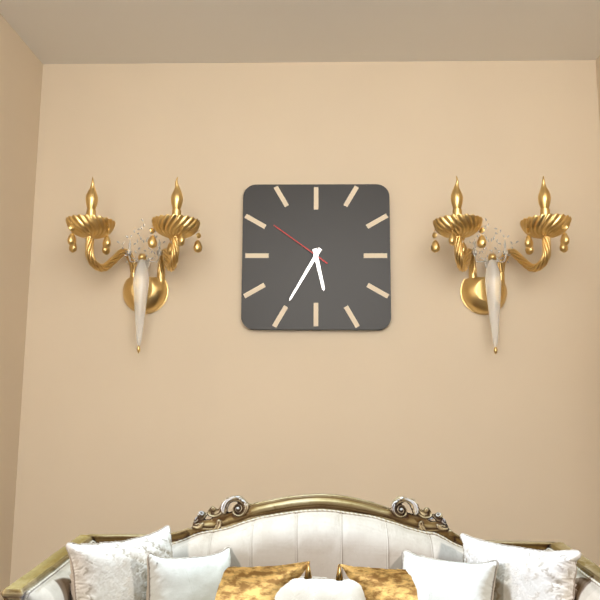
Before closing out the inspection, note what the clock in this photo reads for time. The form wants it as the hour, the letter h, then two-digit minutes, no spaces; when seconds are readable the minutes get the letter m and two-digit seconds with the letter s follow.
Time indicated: 5h35m51s
